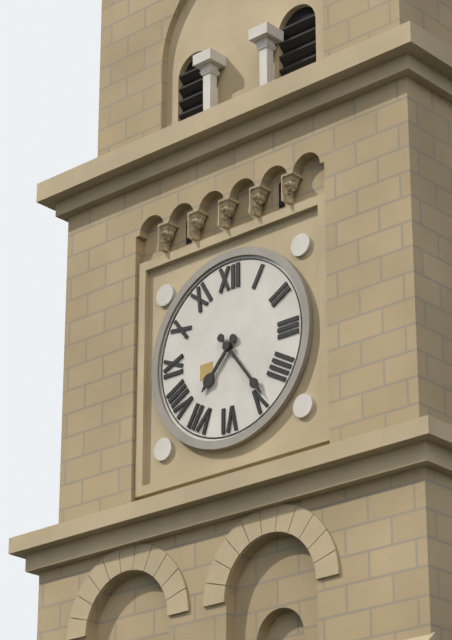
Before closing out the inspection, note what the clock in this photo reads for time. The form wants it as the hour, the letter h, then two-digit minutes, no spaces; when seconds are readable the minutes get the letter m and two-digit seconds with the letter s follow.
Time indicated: 7h24
